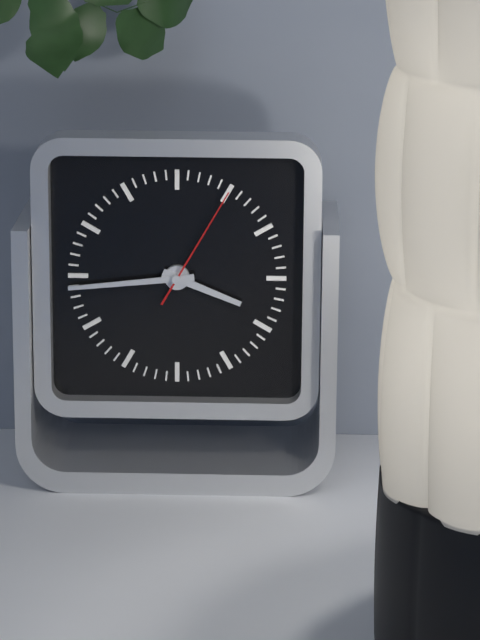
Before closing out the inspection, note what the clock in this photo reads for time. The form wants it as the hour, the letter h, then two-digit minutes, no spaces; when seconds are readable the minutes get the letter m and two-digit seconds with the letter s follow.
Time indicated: 3h44m05s
